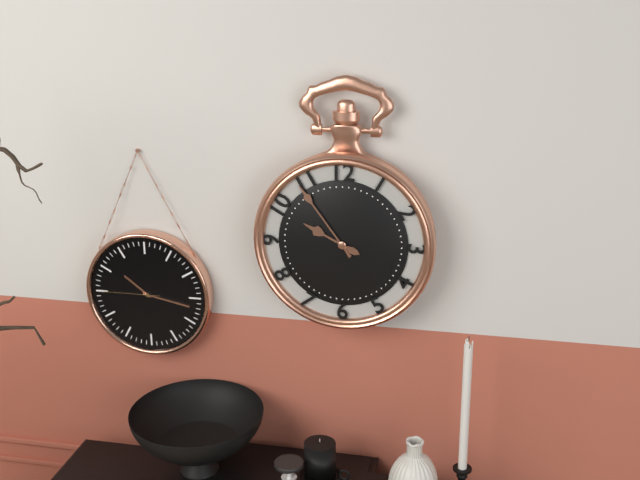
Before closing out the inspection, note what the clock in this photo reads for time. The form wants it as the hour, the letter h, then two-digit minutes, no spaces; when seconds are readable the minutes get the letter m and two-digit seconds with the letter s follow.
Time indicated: 9h54
